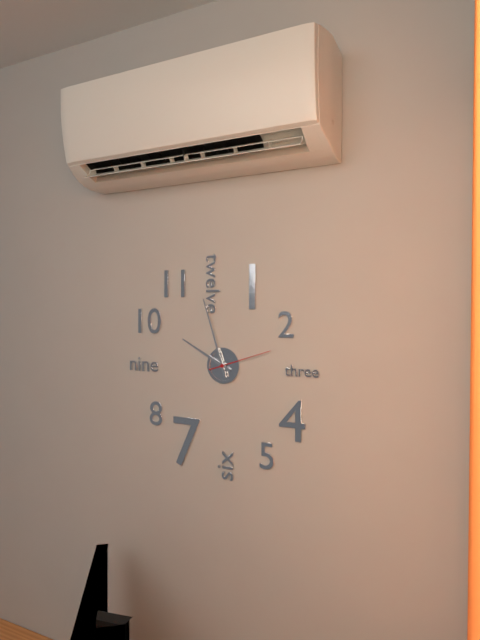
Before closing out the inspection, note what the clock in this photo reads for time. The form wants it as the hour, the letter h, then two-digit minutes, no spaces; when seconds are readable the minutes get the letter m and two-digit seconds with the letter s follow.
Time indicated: 9h57m12s
